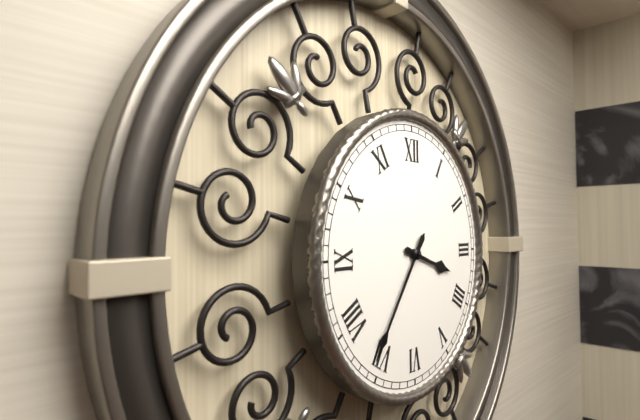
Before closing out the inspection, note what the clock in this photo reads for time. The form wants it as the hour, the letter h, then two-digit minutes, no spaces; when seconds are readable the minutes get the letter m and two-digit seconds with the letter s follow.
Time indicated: 3h36
